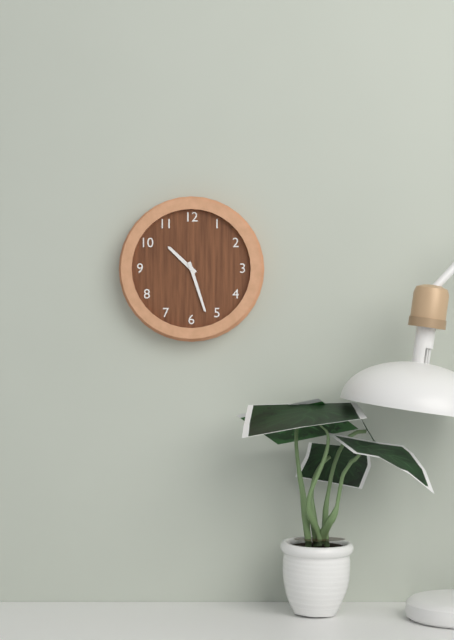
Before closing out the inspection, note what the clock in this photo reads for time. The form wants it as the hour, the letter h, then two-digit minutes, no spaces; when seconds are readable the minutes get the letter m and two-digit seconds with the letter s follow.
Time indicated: 10h27
